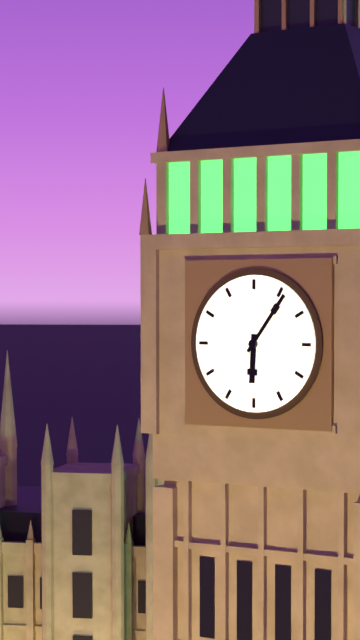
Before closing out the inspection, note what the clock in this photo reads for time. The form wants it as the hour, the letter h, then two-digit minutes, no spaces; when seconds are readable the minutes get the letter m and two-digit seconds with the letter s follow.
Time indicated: 6h06
